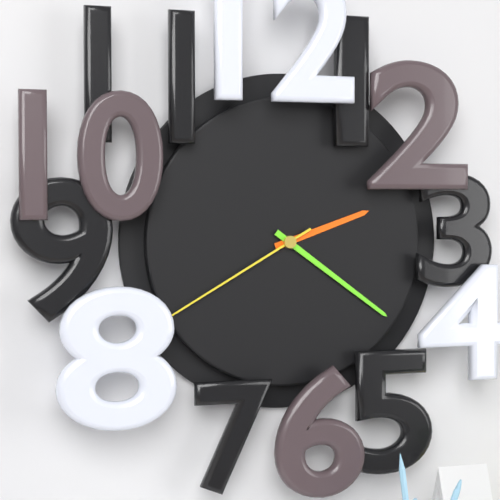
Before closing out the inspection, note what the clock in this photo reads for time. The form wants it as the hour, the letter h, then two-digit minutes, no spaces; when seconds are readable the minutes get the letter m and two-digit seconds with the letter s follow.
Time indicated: 2h21m40s
